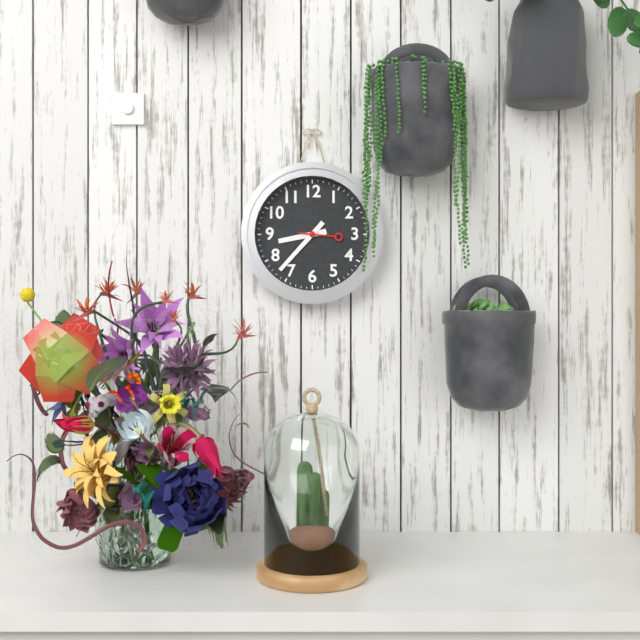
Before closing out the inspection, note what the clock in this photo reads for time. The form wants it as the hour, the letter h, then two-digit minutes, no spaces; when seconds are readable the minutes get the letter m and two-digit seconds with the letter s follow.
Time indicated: 8h37
